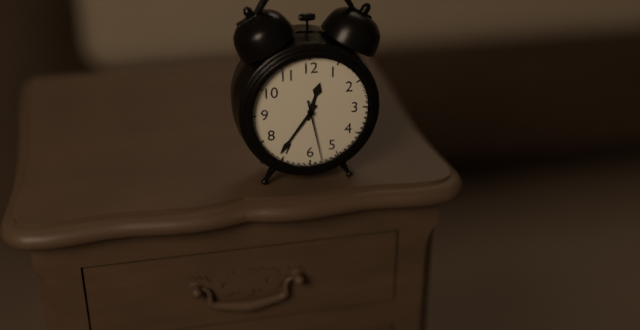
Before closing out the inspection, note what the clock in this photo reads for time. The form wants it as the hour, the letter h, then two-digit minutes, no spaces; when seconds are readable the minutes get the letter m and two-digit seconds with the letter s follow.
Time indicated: 12h36m28s
